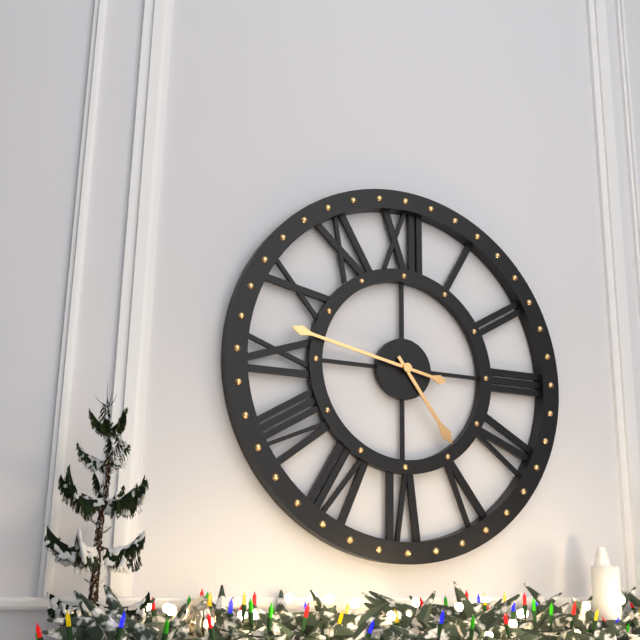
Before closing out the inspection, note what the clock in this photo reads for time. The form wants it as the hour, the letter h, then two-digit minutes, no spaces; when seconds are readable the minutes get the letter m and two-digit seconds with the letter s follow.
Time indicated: 4h47
